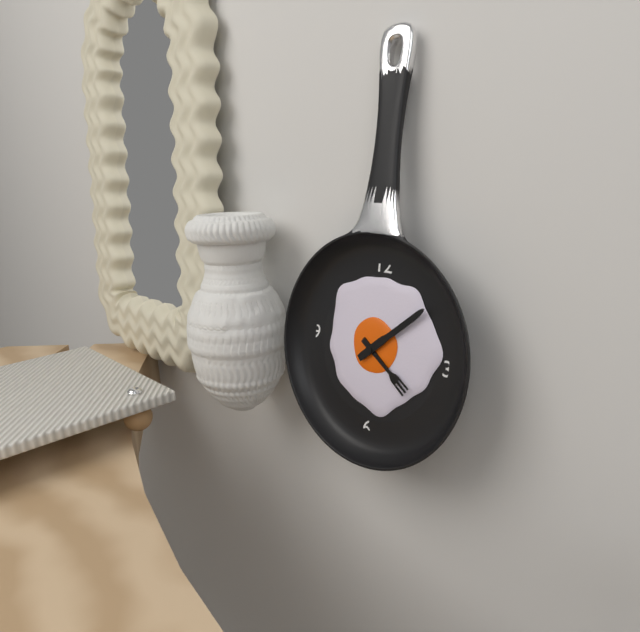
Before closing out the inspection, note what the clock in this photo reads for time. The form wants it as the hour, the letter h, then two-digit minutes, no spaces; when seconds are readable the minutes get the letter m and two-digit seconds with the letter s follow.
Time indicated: 4h08
